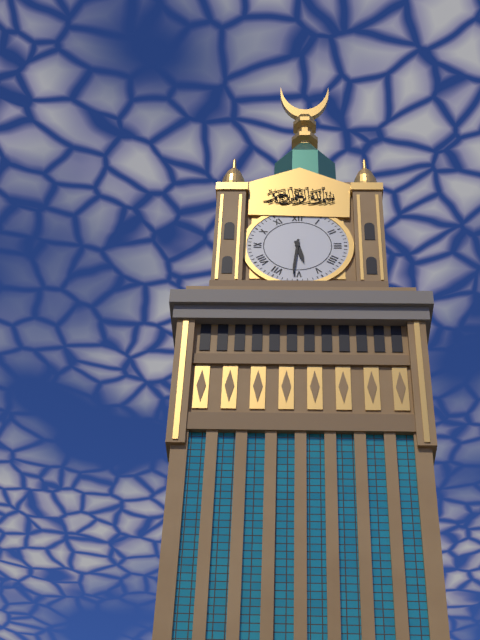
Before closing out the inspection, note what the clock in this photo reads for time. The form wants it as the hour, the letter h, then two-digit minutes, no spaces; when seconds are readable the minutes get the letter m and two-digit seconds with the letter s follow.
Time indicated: 5h31
